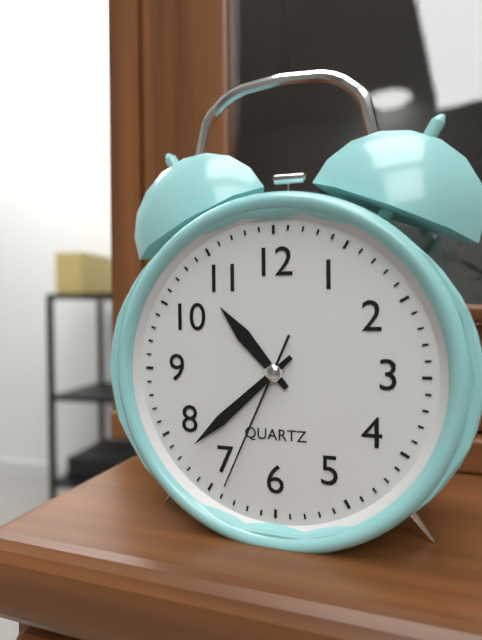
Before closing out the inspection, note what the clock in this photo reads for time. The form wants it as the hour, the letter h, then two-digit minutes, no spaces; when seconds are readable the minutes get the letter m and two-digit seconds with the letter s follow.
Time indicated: 10h38m34s
